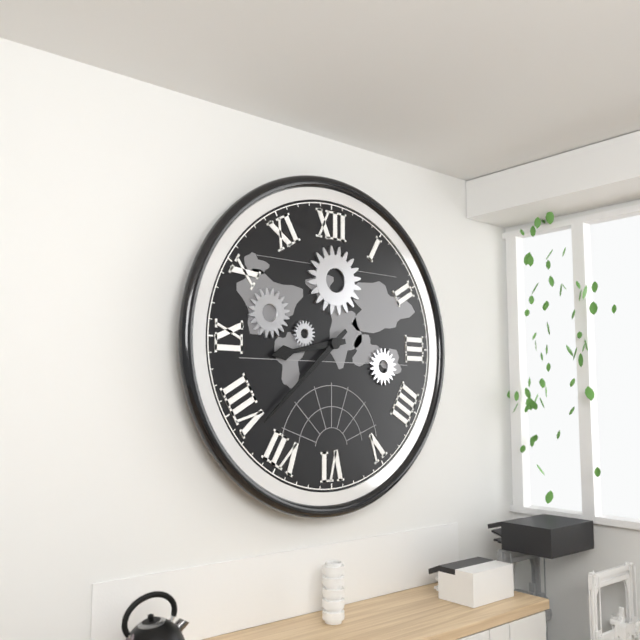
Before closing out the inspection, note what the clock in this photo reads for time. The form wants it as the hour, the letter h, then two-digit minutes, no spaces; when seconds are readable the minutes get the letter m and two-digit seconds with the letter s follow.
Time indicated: 8h38
